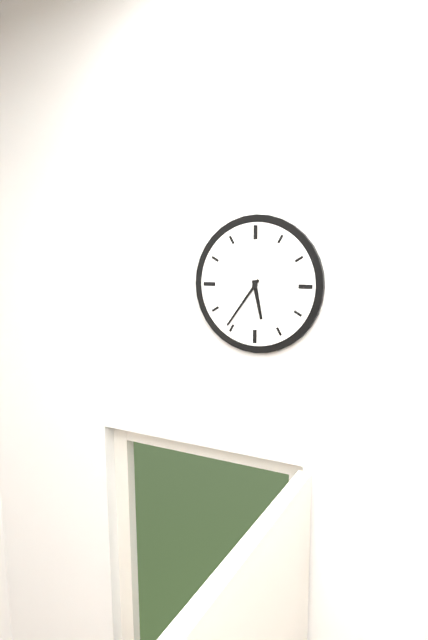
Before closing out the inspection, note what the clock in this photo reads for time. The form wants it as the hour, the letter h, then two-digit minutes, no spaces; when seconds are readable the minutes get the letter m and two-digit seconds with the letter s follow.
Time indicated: 5h36
